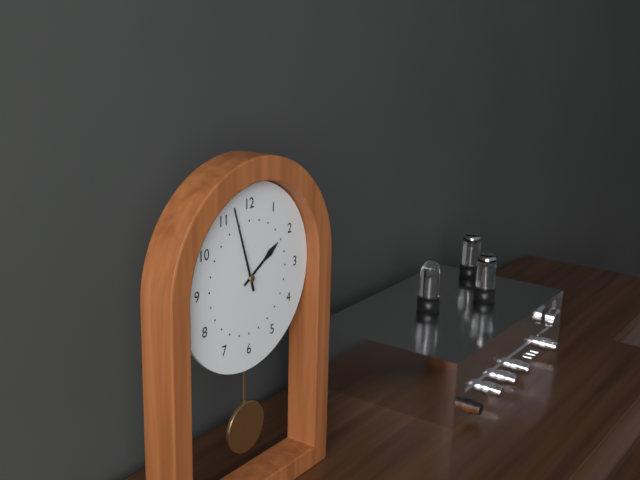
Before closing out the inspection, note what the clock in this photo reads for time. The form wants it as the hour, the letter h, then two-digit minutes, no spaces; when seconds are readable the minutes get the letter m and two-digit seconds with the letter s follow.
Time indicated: 1h57
